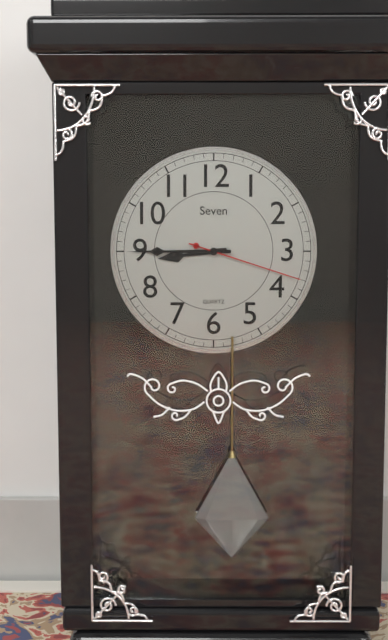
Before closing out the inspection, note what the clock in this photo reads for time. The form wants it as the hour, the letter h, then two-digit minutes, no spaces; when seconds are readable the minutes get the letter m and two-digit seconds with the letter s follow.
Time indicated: 8h45m18s
